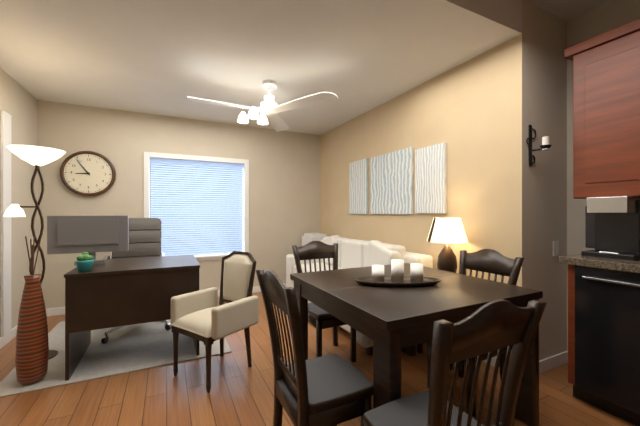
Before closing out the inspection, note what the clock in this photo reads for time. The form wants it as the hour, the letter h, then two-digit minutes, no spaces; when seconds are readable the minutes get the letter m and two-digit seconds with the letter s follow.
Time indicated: 8h54
